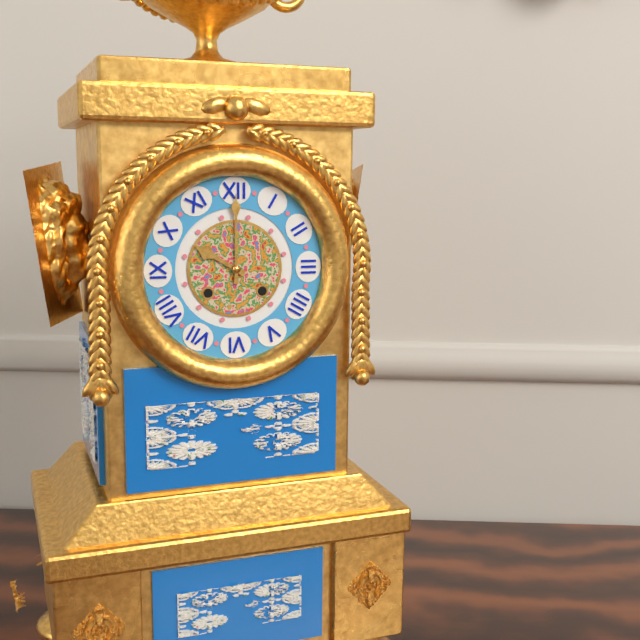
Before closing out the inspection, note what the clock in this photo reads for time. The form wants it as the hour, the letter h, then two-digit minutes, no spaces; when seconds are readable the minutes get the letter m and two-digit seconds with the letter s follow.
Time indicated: 10h00
